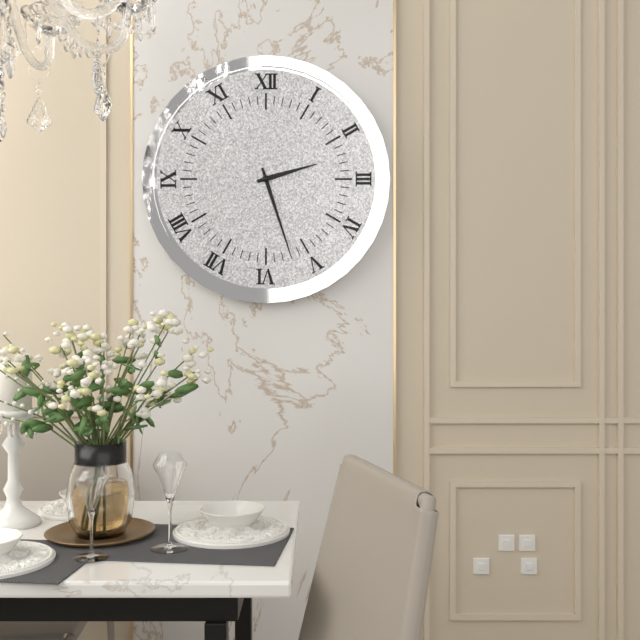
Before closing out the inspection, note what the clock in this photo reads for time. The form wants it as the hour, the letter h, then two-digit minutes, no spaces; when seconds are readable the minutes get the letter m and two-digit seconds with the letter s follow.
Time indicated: 2h27
